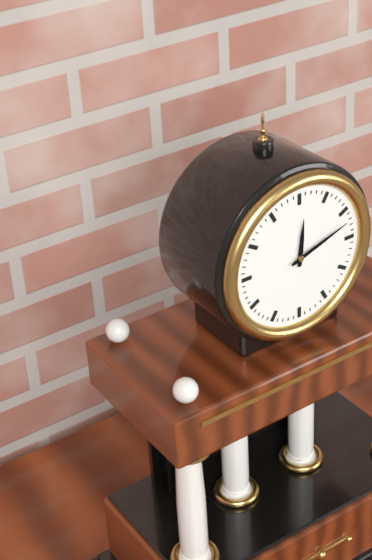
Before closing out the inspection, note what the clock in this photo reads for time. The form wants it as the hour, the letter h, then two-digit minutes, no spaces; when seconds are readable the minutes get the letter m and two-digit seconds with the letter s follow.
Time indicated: 12h12
